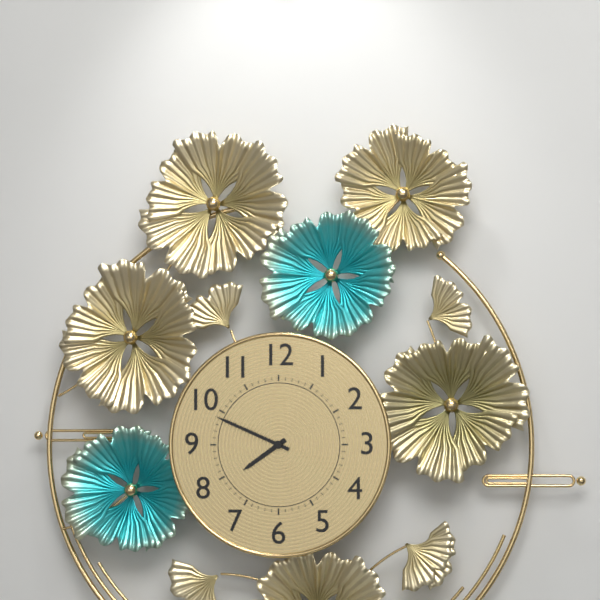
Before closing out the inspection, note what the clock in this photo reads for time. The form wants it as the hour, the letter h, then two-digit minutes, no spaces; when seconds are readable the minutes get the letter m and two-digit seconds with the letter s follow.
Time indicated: 7h49
